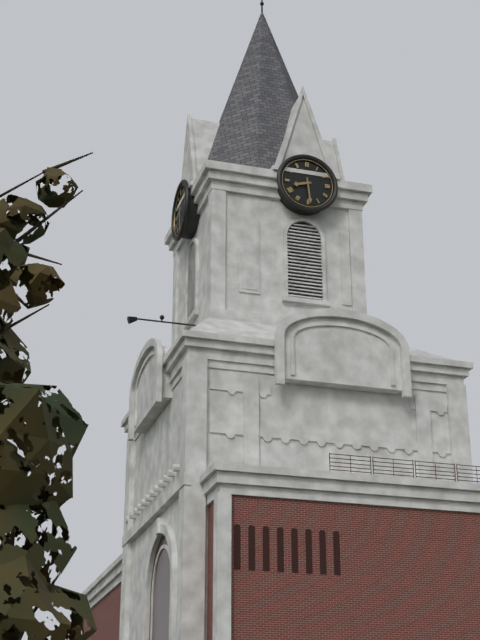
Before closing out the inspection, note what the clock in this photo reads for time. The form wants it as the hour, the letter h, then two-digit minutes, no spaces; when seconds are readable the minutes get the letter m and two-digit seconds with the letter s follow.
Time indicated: 8h29
